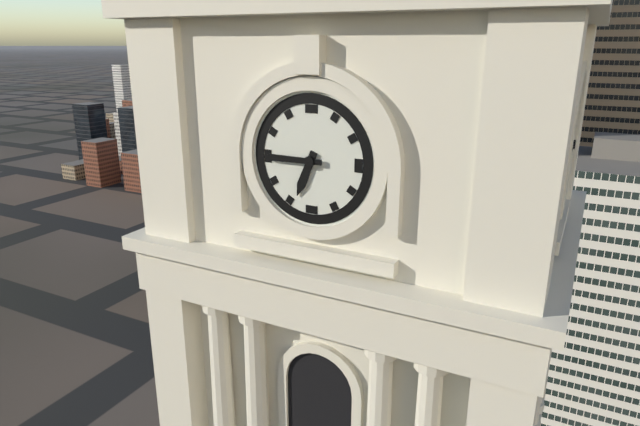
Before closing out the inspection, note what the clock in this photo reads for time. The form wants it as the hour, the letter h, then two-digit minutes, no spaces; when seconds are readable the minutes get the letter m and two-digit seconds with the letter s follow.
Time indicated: 6h45
